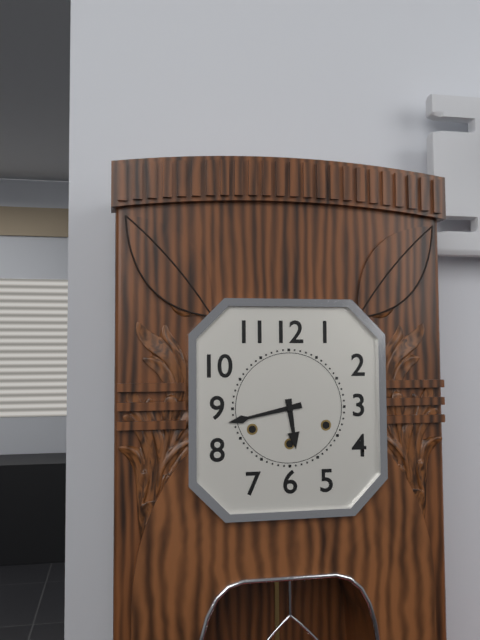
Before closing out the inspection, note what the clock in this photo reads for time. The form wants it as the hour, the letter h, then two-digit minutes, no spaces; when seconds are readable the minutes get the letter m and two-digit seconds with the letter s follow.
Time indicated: 5h43
